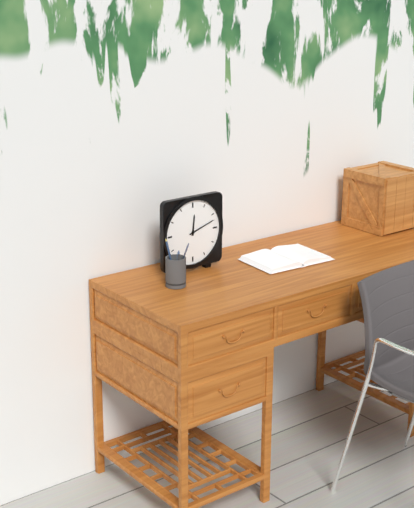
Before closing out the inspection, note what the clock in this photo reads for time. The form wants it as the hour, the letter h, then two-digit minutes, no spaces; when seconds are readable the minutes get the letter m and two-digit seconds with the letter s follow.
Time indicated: 12h12
